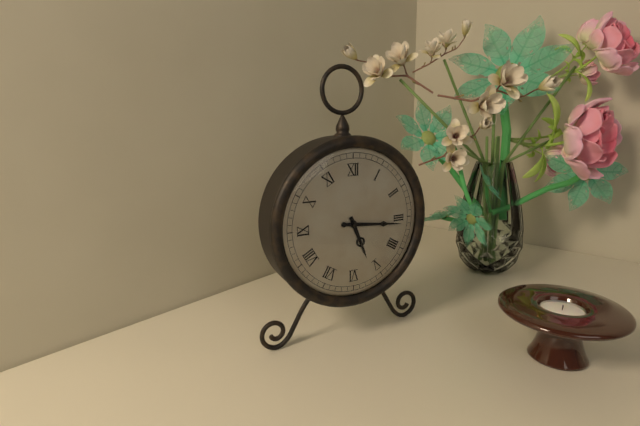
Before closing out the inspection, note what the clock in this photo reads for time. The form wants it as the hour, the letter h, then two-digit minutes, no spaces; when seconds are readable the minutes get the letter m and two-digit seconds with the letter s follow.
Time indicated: 5h16
